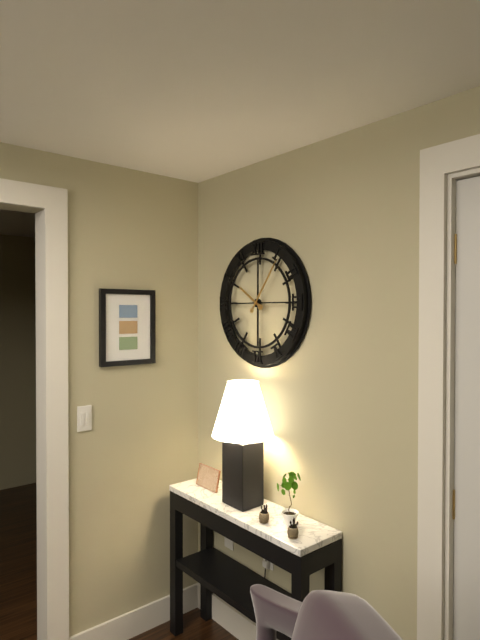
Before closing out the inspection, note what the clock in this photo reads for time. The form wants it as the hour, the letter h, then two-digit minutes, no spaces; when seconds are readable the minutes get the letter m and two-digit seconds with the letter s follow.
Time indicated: 10h06
